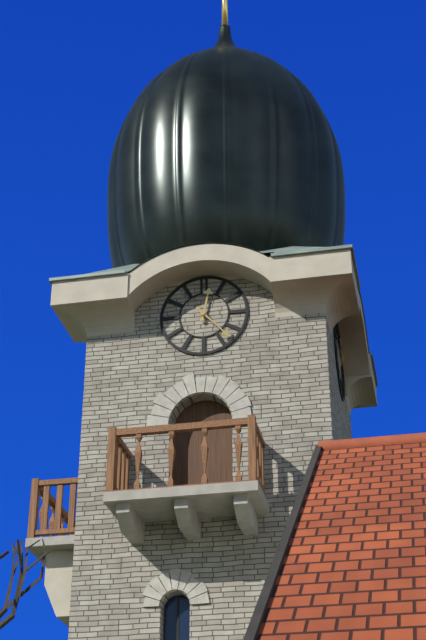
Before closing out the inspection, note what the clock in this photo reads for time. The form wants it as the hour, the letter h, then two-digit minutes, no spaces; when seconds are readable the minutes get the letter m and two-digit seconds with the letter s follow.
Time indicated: 12h23
